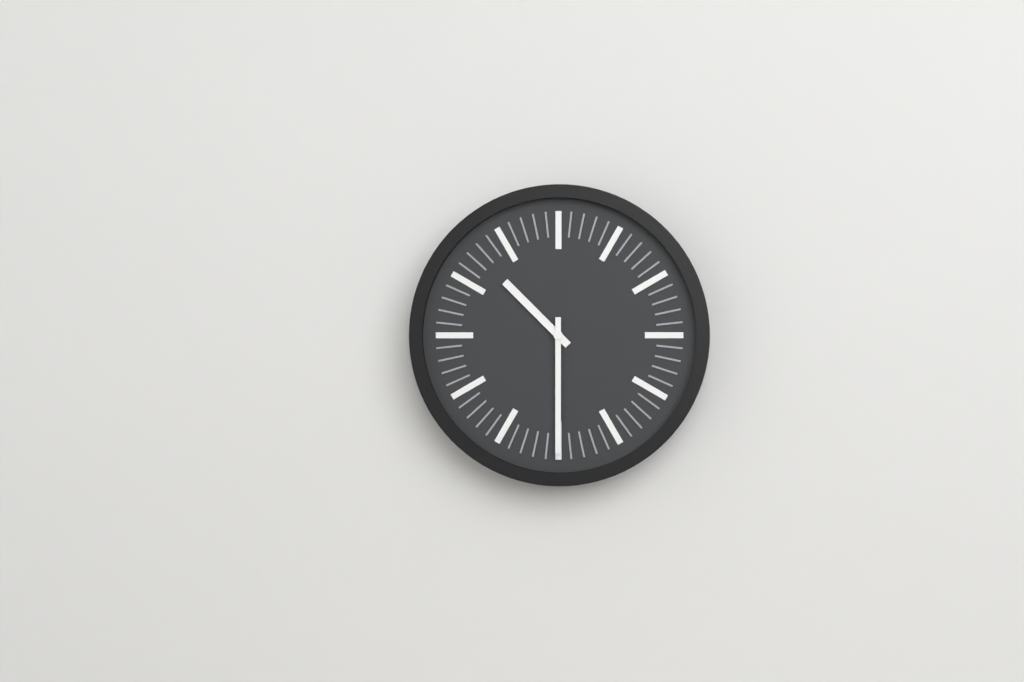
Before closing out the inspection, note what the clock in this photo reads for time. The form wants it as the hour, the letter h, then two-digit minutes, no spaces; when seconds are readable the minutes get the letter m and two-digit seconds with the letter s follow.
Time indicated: 10h30
